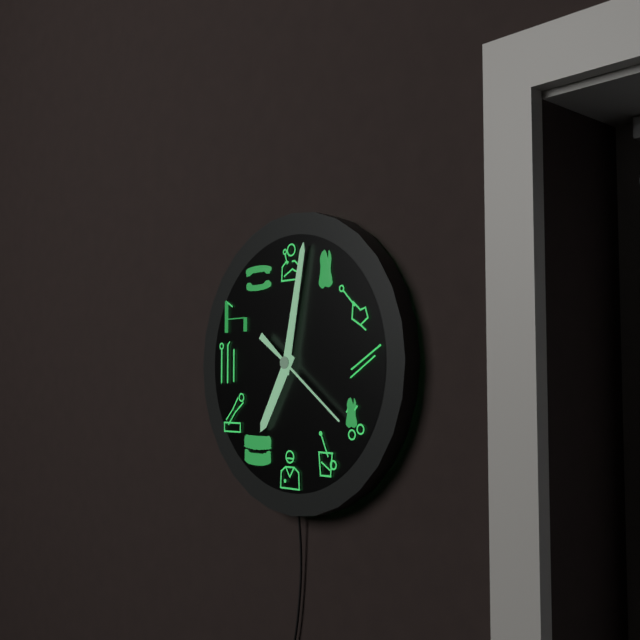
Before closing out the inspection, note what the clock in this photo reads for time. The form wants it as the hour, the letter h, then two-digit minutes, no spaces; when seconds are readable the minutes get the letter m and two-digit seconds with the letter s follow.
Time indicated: 7h02m21s
